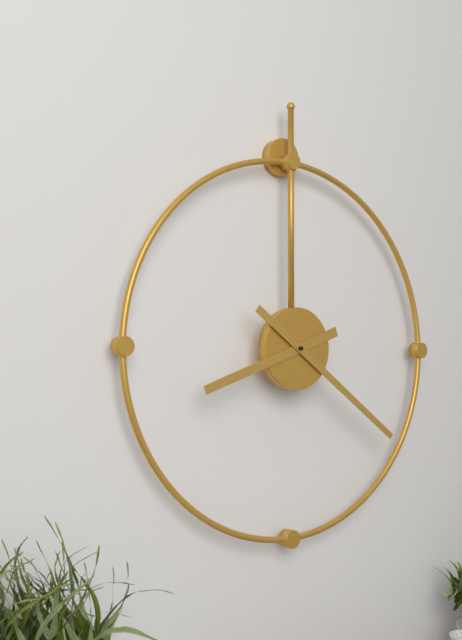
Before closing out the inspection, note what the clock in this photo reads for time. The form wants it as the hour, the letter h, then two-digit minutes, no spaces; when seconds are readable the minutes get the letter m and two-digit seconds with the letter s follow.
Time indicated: 8h21
